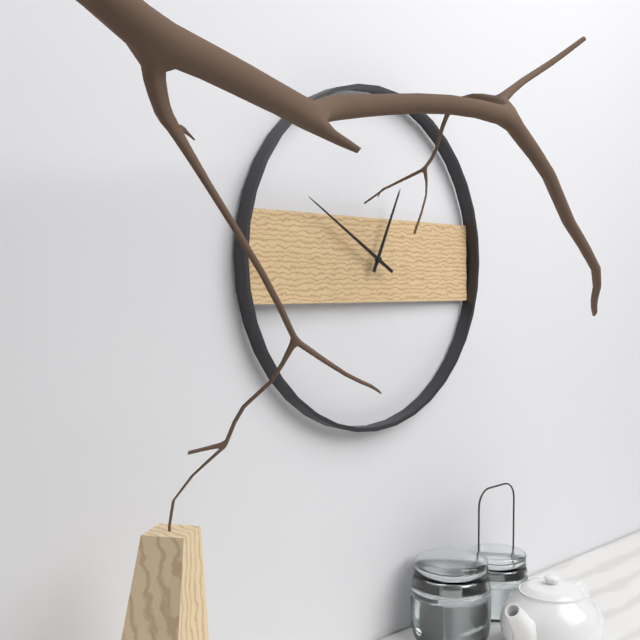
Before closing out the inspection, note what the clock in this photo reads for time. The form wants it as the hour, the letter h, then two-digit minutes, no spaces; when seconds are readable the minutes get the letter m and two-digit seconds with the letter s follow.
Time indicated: 12h50
